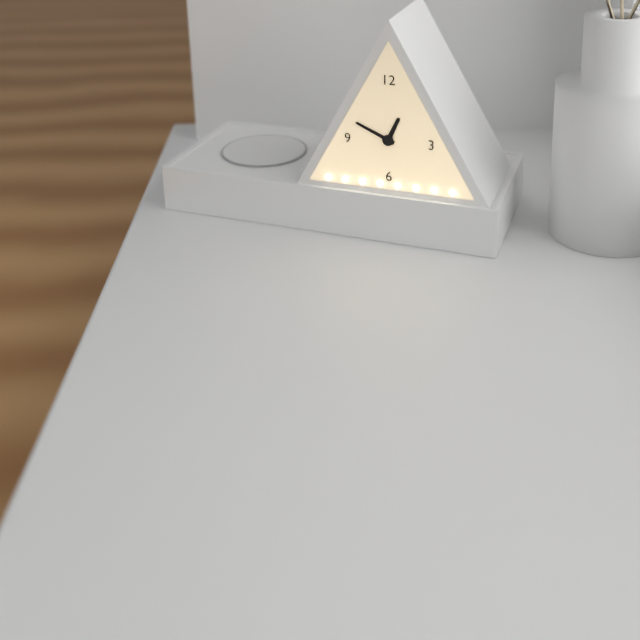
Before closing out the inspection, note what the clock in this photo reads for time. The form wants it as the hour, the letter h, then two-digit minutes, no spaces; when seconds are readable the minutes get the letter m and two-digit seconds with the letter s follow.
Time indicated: 12h49
